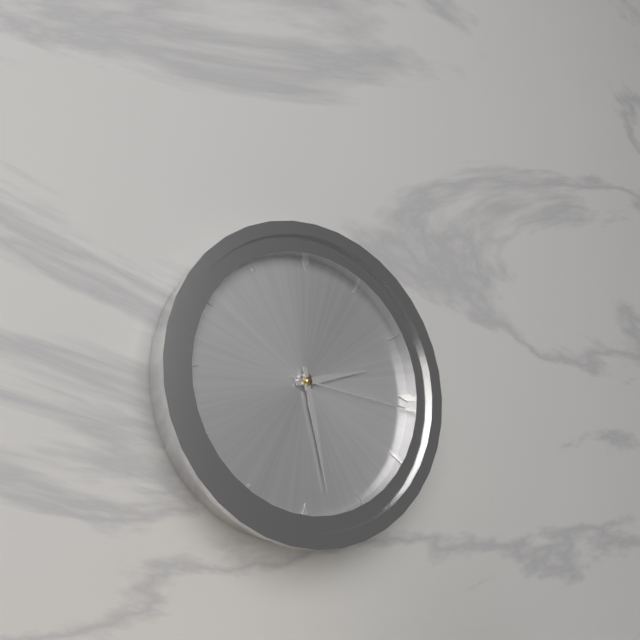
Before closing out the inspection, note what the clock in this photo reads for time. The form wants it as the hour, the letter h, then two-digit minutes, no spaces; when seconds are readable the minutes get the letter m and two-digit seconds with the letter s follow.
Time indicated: 2h28m16s
